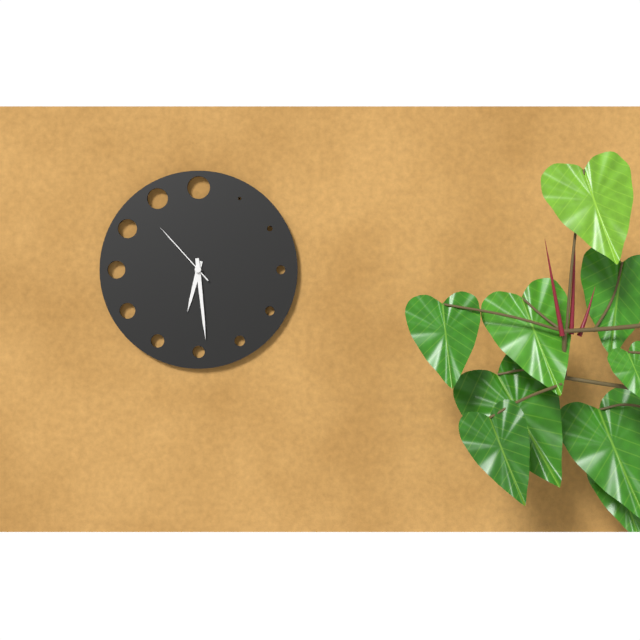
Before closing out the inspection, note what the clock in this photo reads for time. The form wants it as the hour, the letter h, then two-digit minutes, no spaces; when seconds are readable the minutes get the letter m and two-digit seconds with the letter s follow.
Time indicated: 6h29m53s
